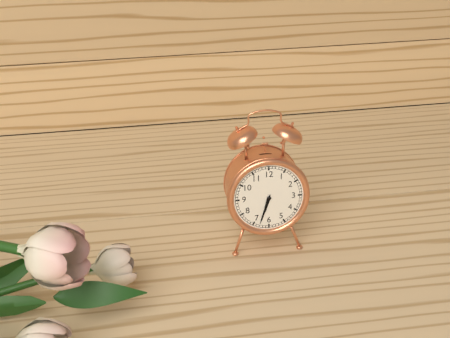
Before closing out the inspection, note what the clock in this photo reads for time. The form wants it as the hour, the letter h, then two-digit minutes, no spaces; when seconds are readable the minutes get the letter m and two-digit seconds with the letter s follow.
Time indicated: 6h33
